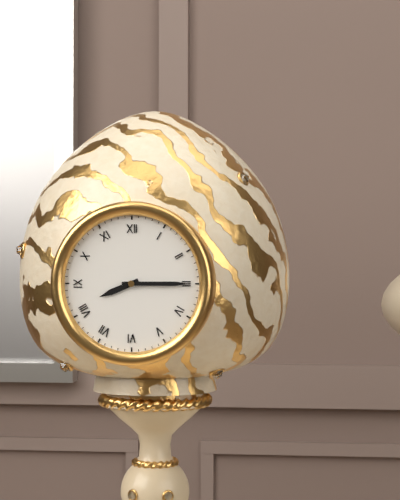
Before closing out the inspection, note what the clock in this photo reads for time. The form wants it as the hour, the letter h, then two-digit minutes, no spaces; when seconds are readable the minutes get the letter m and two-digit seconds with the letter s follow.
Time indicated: 8h15
